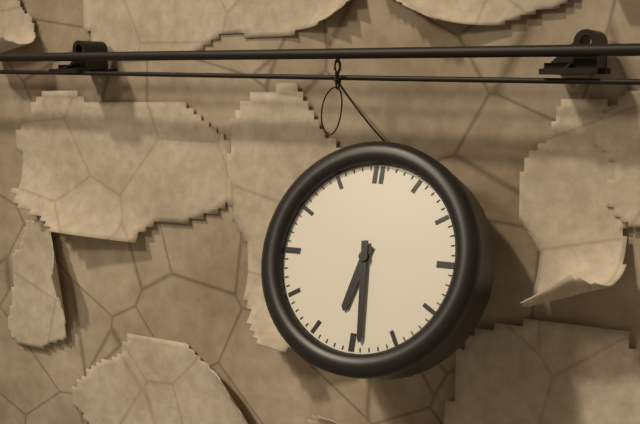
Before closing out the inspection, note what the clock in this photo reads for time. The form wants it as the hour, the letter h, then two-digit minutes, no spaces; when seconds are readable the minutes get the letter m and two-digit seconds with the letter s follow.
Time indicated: 6h29
